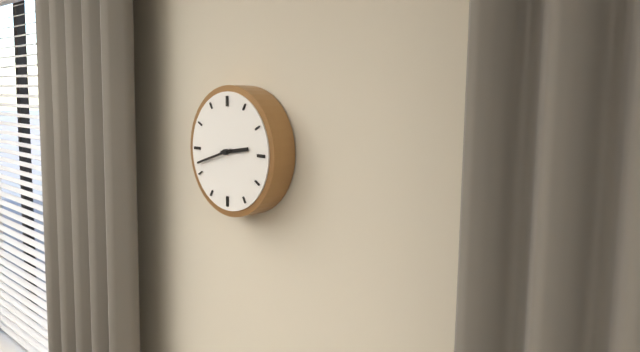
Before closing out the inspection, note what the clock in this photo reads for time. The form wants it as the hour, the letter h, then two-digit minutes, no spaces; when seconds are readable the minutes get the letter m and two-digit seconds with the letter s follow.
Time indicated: 2h42
